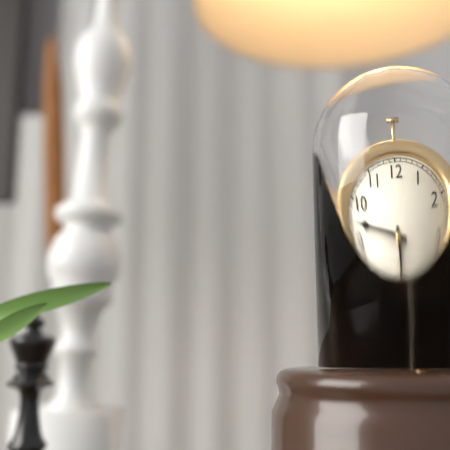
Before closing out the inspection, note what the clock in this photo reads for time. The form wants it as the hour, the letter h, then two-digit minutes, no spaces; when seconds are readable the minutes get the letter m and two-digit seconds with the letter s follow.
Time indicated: 5h47
